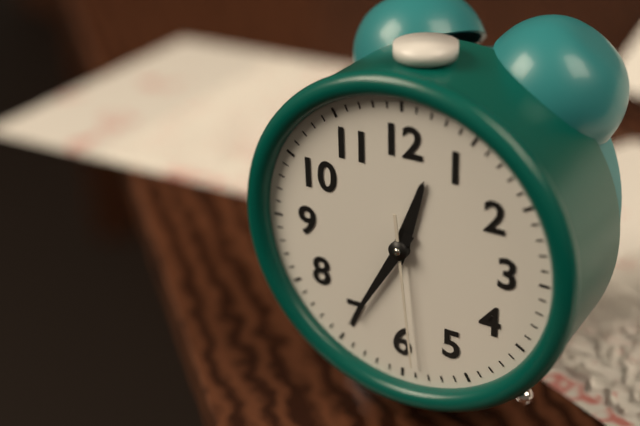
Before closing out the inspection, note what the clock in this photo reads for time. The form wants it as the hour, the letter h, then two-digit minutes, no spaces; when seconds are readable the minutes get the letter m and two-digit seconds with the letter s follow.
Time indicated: 12h35m29s
